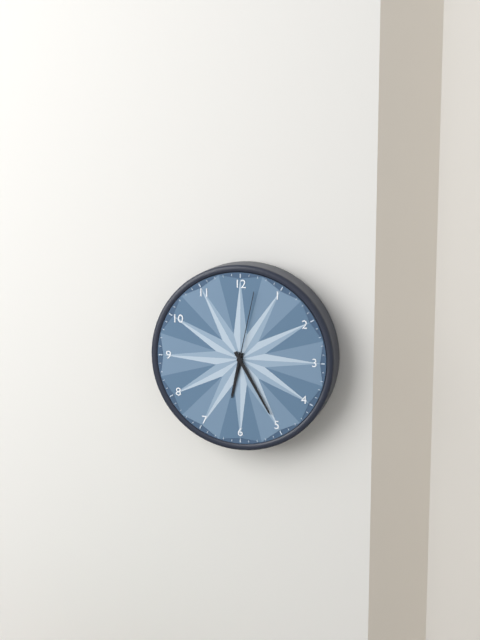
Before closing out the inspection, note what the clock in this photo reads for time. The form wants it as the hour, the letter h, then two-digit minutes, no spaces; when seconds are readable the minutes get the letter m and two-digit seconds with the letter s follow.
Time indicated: 6h25m02s
